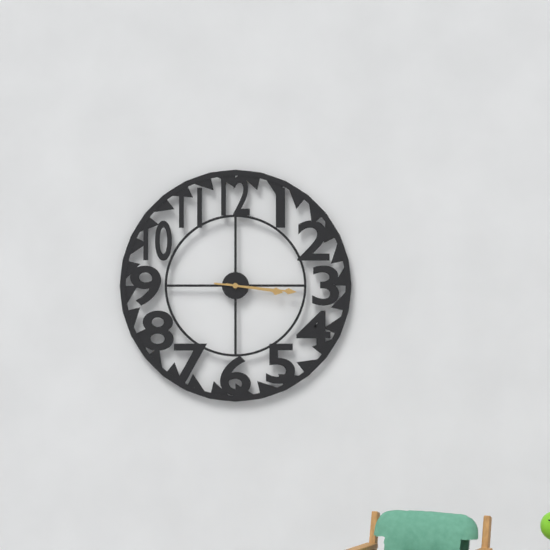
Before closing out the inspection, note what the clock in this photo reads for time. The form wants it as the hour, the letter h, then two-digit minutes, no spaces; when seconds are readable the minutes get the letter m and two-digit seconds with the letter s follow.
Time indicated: 3h16
